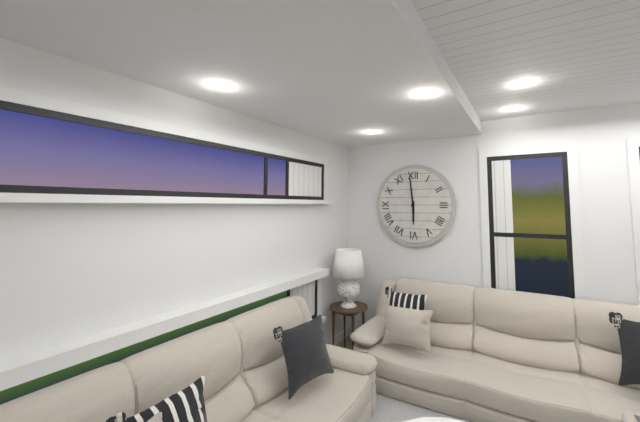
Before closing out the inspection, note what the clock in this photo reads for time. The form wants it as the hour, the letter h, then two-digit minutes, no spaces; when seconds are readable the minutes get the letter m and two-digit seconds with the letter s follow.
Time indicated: 5h59
